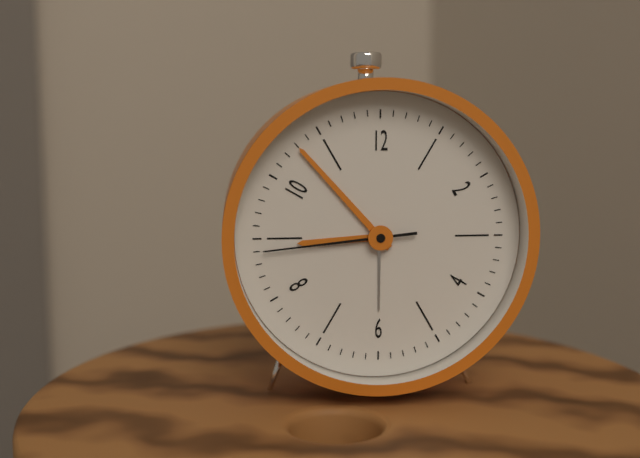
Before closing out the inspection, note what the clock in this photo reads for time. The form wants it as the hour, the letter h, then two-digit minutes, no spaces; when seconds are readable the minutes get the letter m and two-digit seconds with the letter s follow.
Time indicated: 8h53m44s
